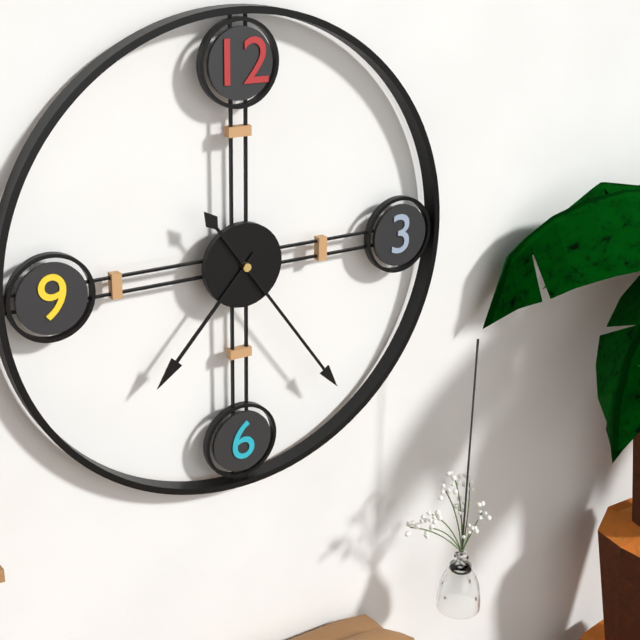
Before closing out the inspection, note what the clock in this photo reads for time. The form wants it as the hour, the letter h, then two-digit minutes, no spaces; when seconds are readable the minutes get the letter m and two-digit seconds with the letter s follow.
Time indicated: 7h24
